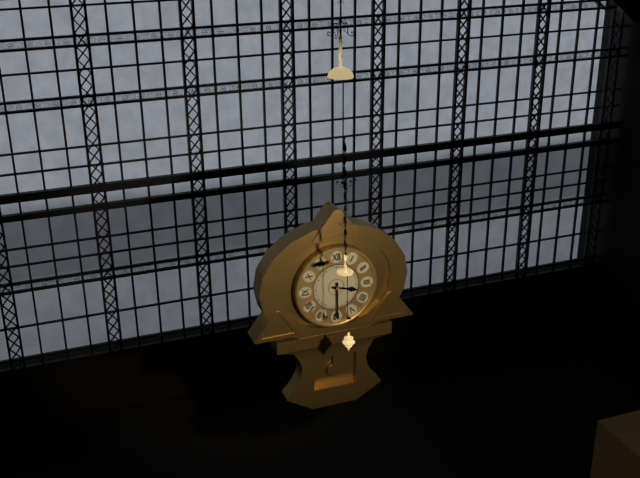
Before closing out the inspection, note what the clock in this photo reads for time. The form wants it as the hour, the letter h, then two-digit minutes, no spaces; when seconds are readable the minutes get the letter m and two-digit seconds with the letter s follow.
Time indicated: 3h30
